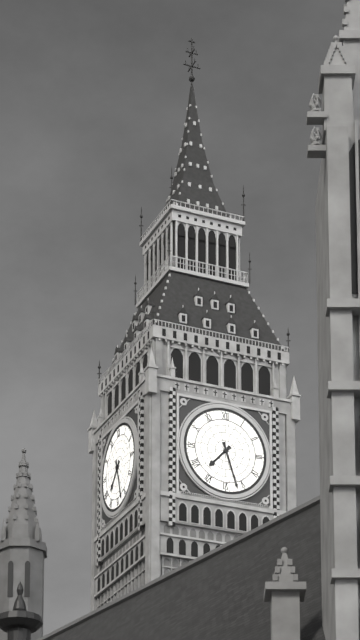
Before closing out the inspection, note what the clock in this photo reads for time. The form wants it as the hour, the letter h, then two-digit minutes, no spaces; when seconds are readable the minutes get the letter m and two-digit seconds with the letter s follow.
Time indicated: 7h27
